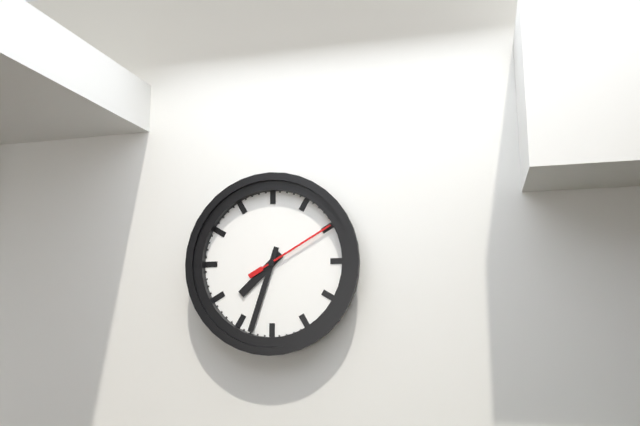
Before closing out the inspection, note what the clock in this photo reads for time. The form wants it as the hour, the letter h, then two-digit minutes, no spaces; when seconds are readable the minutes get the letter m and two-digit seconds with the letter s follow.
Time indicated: 7h33m10s
